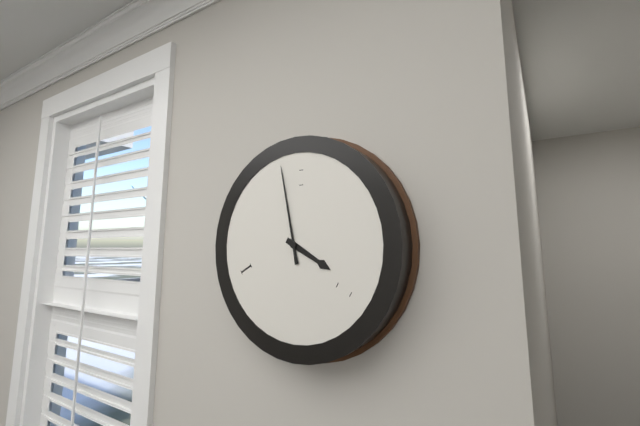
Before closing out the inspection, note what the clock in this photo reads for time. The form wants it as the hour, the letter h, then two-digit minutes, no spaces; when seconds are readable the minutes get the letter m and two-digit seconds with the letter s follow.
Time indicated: 3h58
